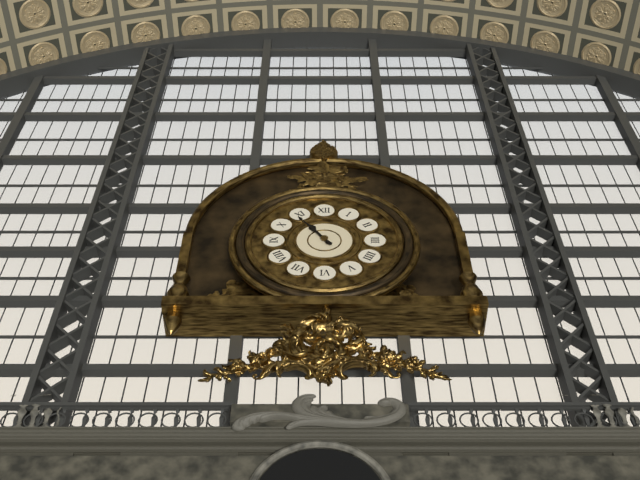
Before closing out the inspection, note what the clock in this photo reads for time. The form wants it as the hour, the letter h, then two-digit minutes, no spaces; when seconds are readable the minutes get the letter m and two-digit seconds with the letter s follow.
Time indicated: 10h54
